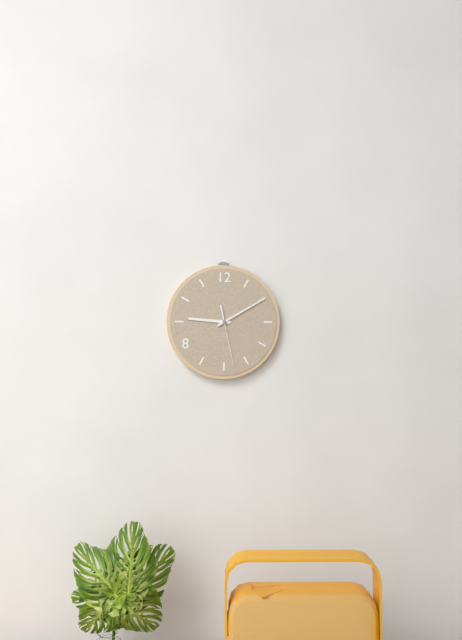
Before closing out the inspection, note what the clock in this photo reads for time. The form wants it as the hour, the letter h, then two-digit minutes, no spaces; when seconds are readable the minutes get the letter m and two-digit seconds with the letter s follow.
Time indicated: 9h10m28s
